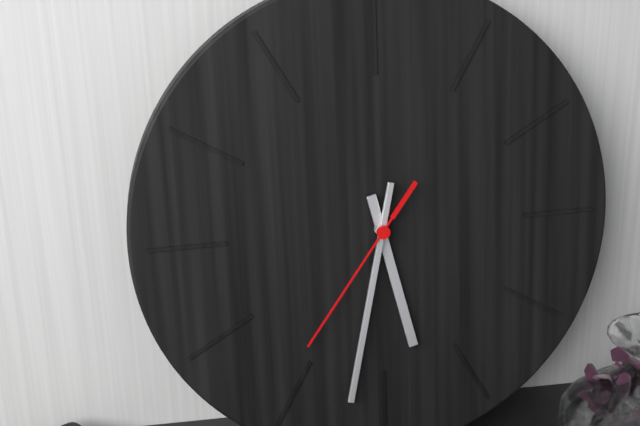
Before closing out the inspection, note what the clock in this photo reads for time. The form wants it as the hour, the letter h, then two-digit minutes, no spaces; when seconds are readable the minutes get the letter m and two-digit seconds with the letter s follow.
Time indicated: 5h32m36s
